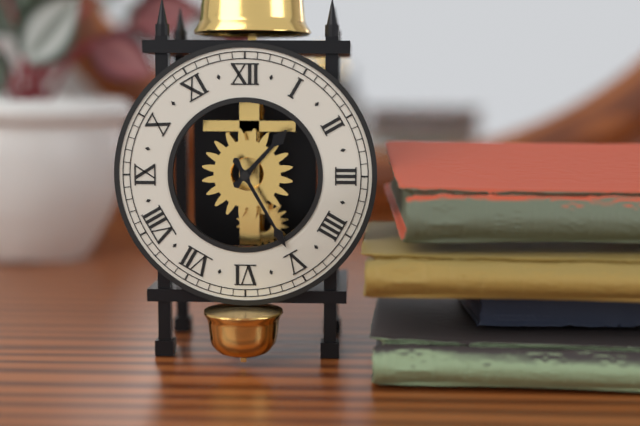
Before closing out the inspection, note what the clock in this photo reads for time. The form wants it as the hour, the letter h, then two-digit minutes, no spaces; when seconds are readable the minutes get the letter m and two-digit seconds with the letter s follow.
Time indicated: 1h25
